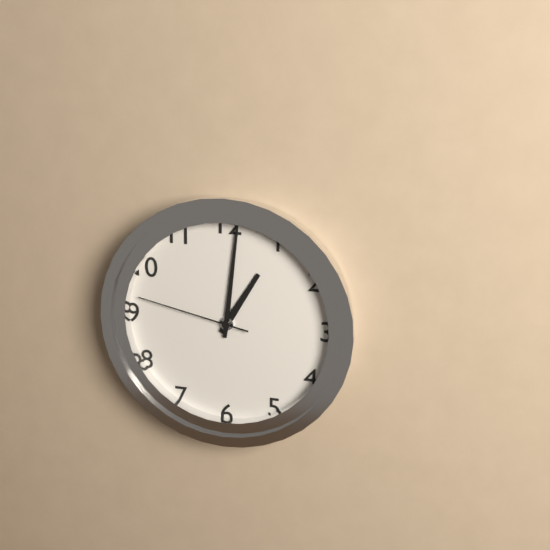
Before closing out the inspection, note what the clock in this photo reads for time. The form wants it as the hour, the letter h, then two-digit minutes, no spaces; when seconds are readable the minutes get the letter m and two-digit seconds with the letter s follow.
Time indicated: 1h01m47s
